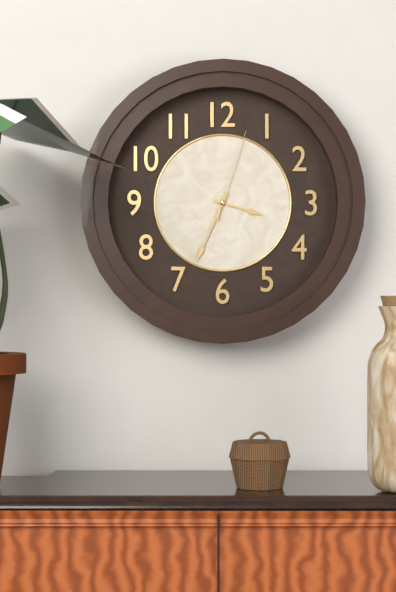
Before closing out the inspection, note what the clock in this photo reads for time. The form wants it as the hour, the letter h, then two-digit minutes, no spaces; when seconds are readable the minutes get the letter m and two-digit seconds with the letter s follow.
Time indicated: 3h34m03s
